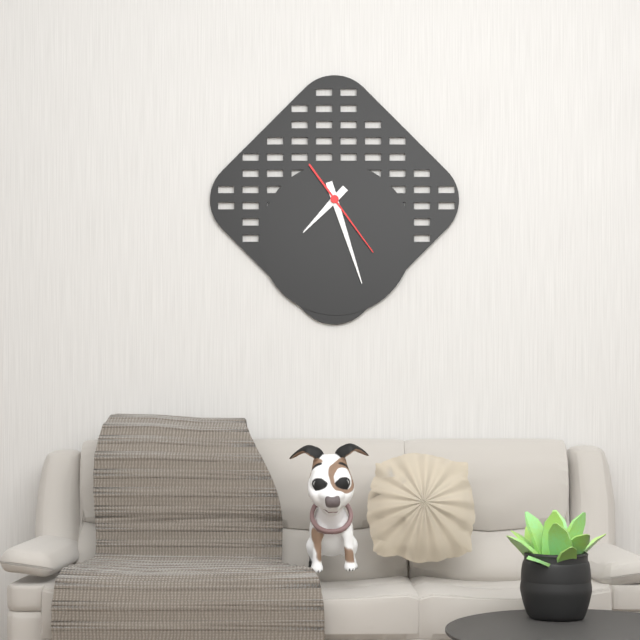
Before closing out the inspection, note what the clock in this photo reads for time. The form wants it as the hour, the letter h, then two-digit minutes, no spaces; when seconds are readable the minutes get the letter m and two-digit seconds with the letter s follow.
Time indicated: 7h27m24s
